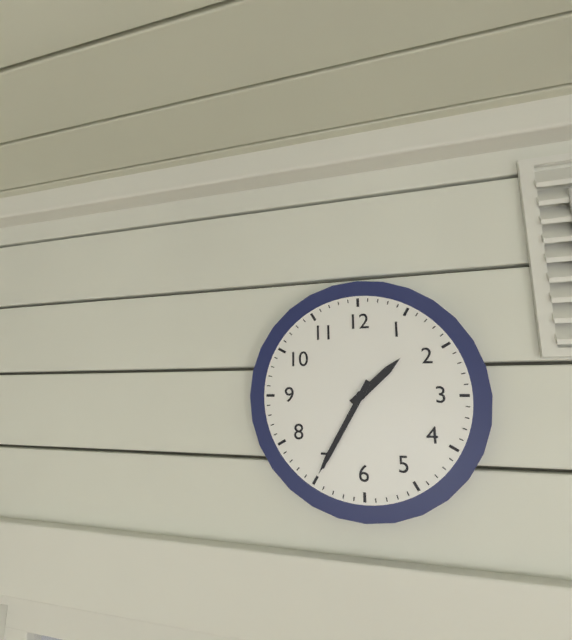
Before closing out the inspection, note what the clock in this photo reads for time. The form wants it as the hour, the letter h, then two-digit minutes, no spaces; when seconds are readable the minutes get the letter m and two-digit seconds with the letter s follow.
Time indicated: 1h35
